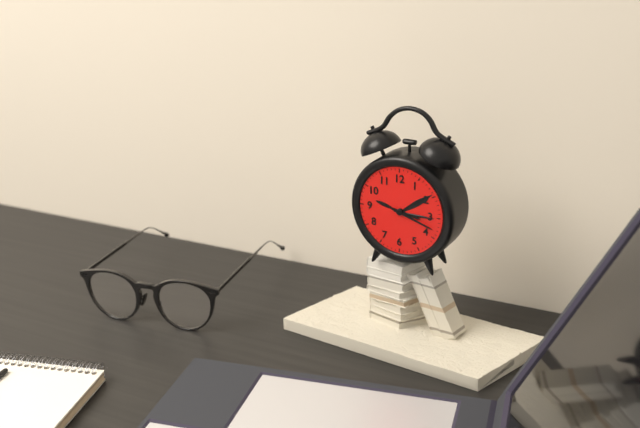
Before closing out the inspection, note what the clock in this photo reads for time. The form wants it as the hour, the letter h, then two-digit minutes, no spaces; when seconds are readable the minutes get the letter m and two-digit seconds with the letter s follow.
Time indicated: 3h18
